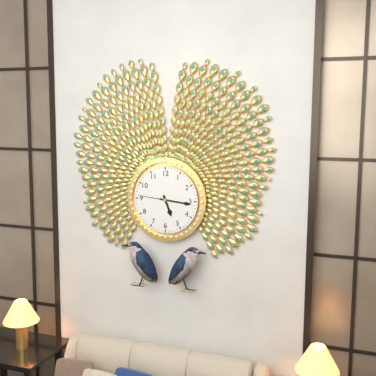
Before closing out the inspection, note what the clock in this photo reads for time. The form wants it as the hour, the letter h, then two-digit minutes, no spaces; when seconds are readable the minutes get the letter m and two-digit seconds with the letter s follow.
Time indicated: 5h16
